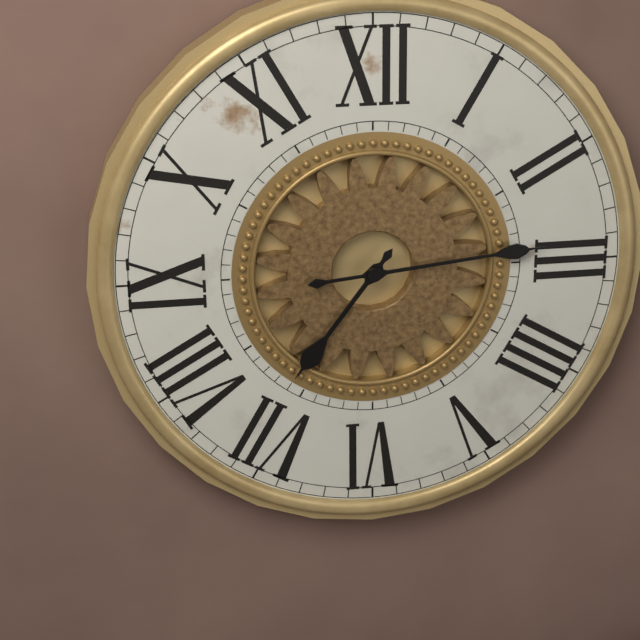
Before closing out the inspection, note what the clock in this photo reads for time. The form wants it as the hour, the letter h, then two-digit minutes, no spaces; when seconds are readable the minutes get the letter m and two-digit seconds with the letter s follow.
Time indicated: 7h14
